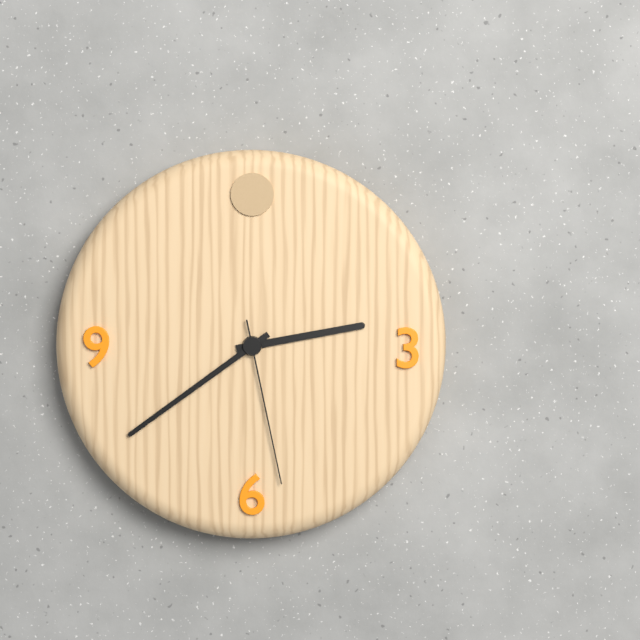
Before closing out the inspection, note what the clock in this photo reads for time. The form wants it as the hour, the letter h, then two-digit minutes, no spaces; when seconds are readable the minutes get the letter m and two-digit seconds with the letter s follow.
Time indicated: 2h39m28s
